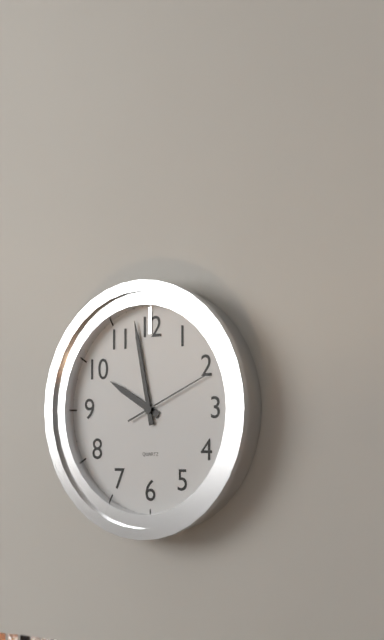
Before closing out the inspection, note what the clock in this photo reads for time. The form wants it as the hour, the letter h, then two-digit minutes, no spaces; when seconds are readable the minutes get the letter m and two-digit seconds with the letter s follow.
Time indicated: 9h58m11s
